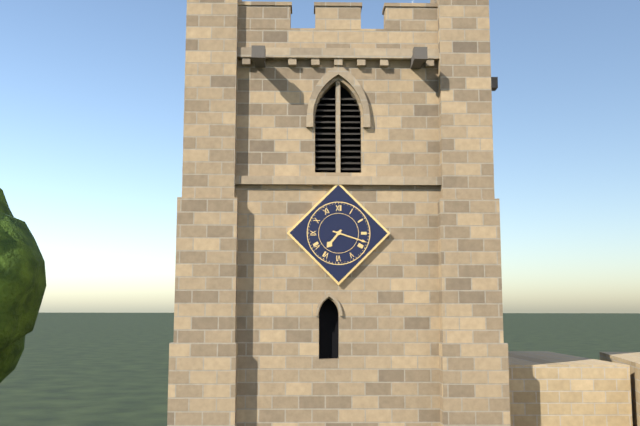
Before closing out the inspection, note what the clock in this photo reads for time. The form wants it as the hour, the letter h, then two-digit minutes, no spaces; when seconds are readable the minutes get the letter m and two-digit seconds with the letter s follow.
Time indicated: 7h18
